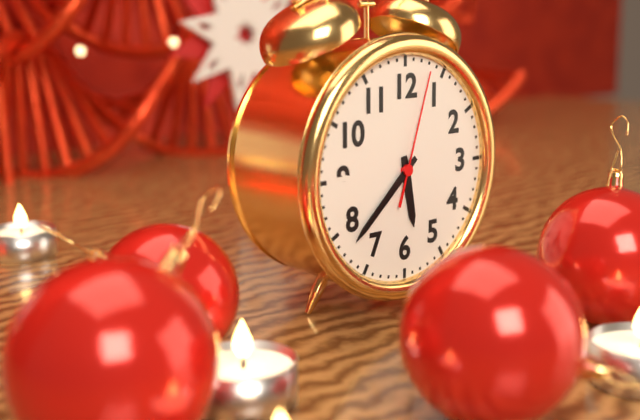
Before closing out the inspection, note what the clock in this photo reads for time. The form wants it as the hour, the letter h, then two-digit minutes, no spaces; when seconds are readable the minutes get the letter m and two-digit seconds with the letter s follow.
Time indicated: 5h38m03s
